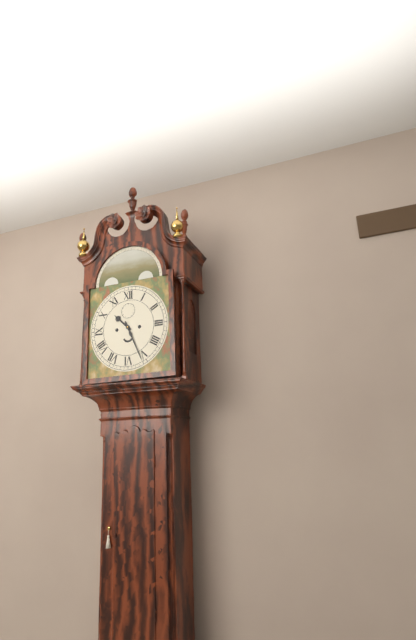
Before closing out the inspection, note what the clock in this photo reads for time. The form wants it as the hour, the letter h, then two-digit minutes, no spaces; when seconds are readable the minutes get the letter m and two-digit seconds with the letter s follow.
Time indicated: 10h26
